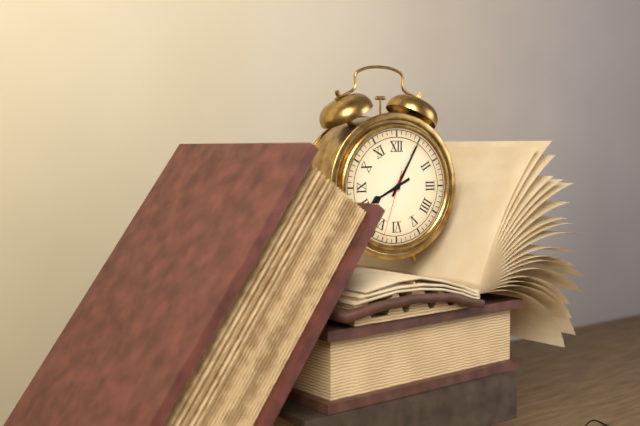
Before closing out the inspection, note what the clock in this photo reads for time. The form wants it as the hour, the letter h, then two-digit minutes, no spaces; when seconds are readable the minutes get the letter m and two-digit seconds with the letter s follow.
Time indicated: 8h05m33s
